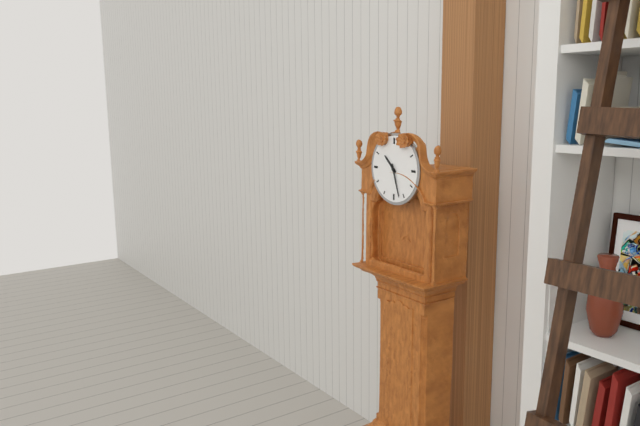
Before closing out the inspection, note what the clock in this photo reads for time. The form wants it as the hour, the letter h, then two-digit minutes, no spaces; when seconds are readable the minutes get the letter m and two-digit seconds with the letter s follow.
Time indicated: 10h27
